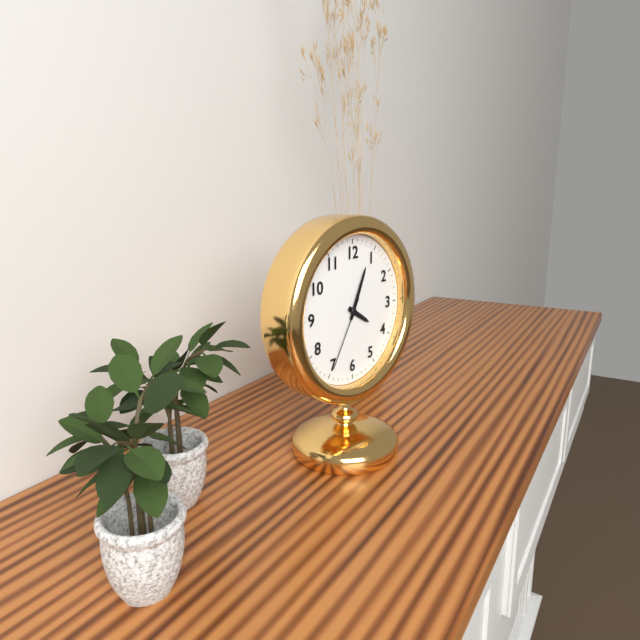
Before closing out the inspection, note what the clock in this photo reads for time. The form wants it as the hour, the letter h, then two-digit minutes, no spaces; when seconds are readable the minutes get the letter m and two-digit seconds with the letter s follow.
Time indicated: 4h04m35s
